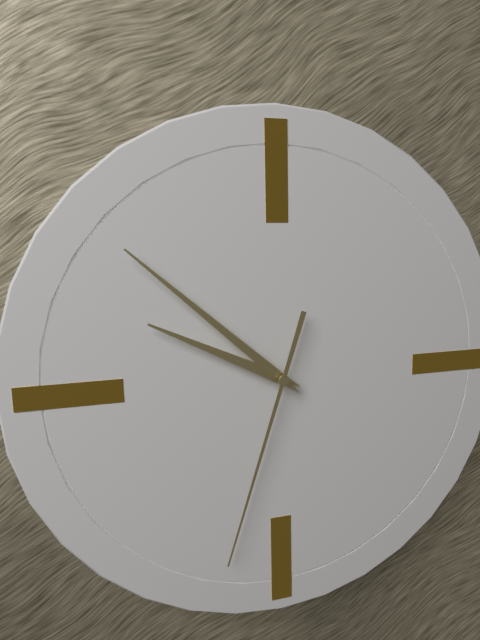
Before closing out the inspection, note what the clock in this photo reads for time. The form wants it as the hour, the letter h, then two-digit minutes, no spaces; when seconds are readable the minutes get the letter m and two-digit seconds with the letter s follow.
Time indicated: 9h52m33s
